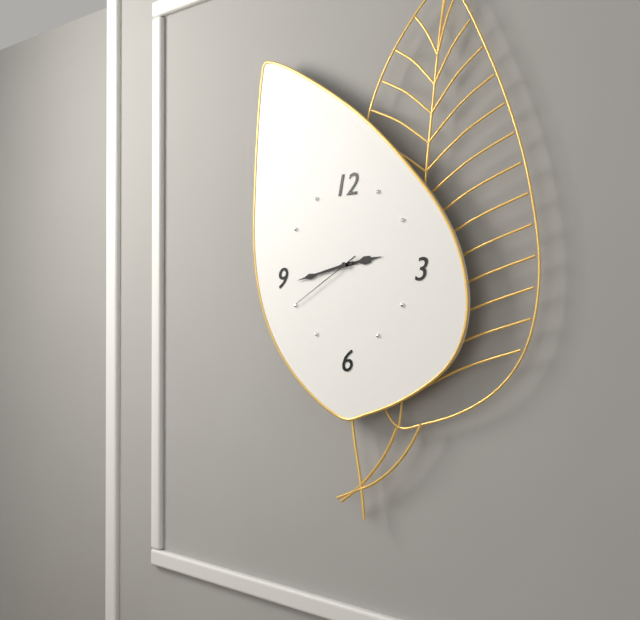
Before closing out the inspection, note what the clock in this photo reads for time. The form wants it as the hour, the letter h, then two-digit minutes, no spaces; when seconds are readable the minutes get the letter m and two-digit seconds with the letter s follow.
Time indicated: 2h43m40s
